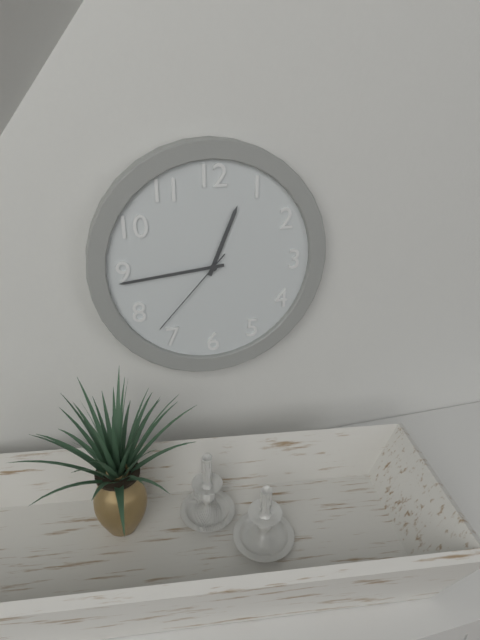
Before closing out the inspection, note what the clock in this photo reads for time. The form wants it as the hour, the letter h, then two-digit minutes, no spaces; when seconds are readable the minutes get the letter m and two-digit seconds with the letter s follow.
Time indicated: 12h44m37s
